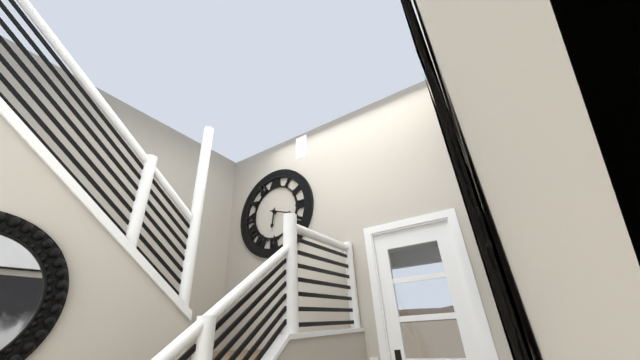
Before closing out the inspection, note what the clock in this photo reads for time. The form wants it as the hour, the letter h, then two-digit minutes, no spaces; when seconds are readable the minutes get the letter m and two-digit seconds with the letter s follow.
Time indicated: 6h18
